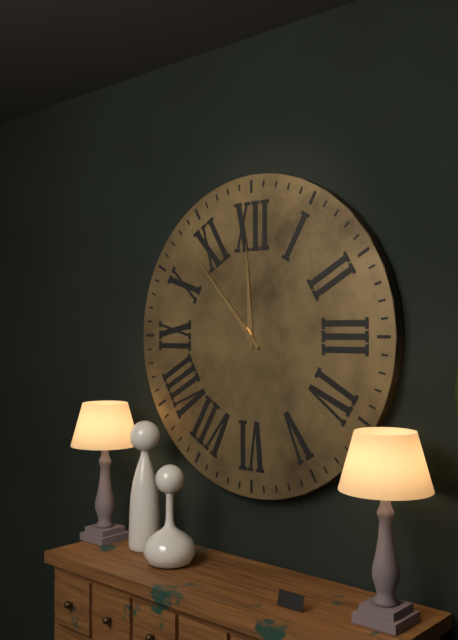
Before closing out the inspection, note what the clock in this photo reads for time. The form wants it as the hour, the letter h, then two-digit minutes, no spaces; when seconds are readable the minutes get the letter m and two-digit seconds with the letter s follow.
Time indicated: 11h53
